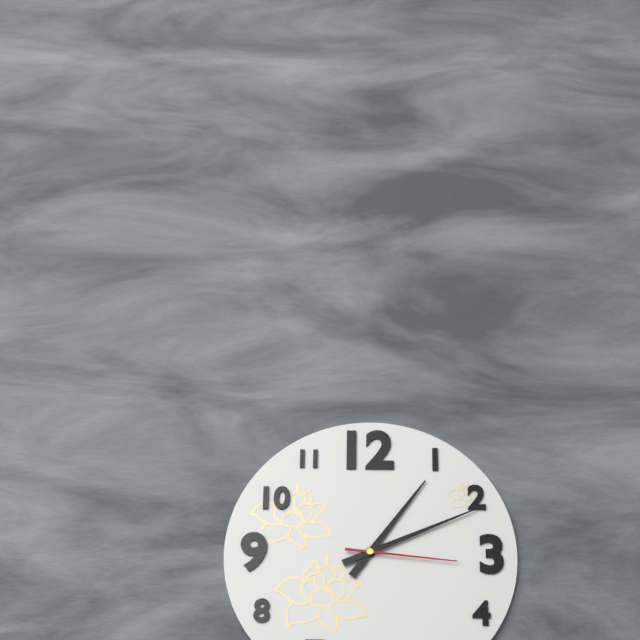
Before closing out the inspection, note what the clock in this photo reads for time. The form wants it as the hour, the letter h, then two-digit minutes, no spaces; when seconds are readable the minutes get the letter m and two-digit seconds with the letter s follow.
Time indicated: 1h11m16s
